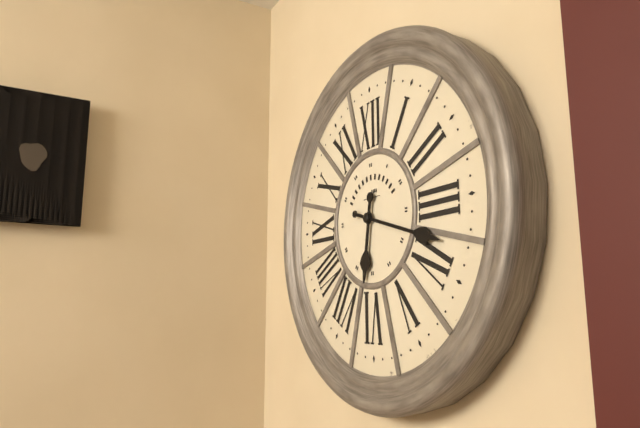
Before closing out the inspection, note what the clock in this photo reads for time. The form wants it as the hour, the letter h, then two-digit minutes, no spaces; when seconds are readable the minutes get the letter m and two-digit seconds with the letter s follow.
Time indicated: 6h18
